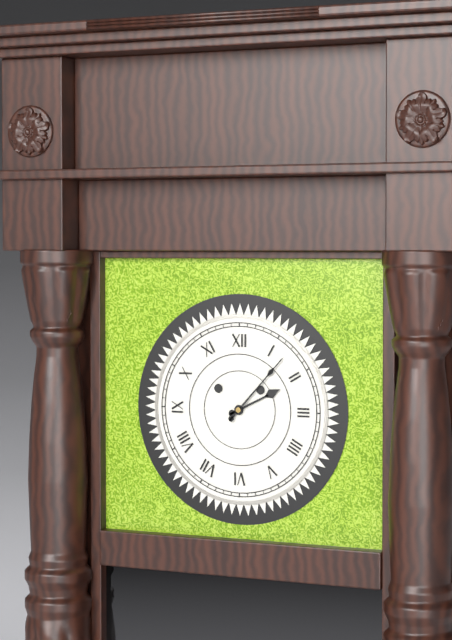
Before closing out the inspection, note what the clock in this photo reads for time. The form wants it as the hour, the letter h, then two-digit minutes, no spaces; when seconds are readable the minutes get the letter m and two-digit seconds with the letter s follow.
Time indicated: 2h07
